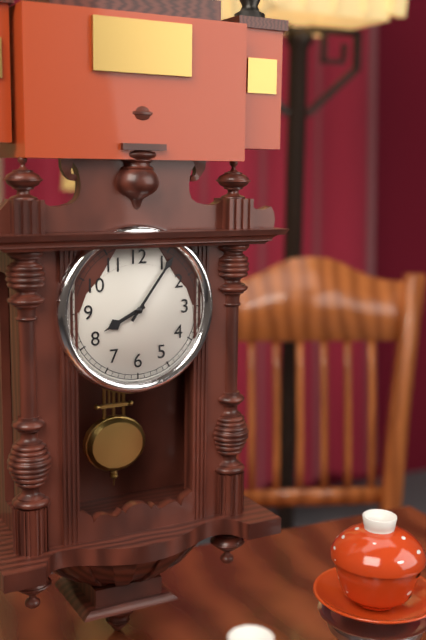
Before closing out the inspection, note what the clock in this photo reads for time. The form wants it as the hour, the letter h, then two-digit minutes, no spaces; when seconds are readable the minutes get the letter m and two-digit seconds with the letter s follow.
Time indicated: 8h06
